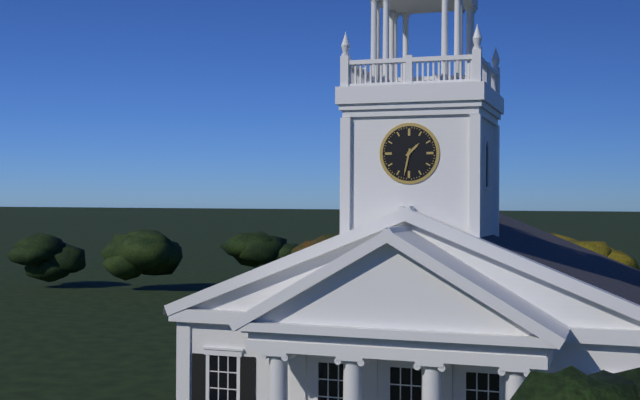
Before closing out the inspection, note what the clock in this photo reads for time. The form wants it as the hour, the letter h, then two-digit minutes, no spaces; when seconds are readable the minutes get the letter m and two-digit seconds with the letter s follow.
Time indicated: 1h32
